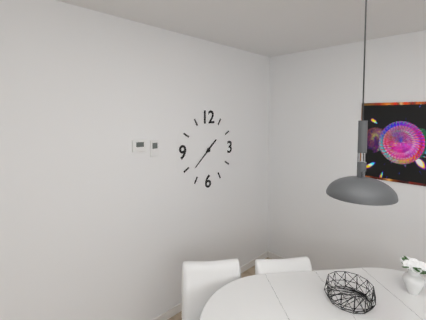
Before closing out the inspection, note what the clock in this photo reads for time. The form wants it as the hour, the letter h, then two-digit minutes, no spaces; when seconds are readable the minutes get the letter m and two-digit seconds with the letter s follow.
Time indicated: 1h38
